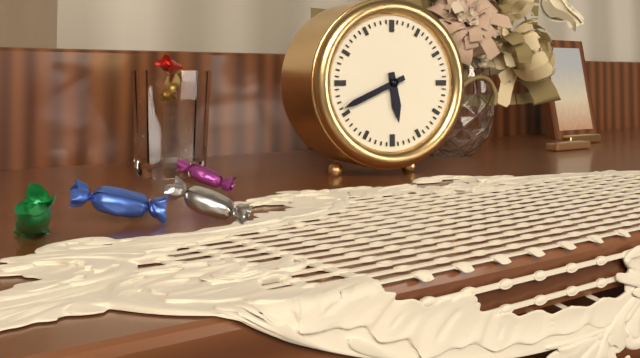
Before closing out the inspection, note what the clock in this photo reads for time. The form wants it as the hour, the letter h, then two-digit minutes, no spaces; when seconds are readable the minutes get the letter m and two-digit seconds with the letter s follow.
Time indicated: 5h41
